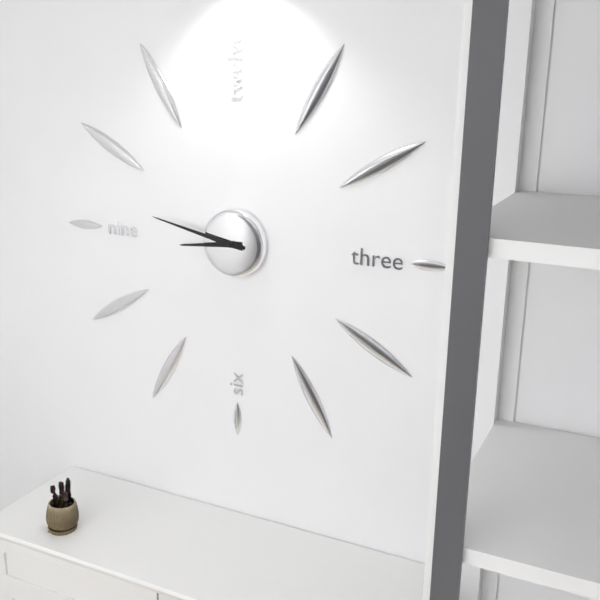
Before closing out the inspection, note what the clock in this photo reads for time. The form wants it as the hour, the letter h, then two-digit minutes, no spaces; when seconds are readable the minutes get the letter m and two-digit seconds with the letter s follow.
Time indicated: 8h47
